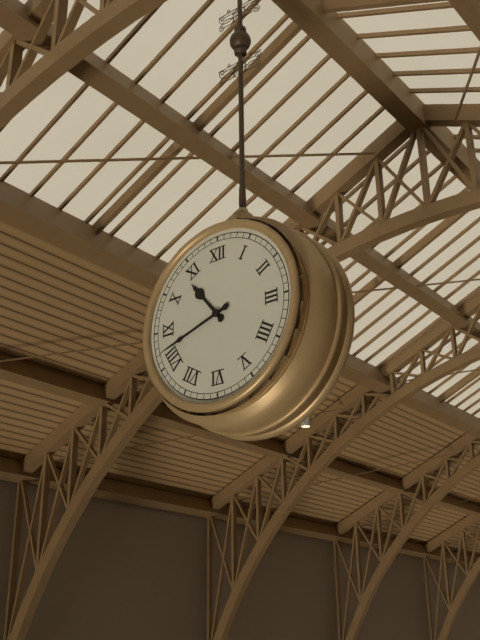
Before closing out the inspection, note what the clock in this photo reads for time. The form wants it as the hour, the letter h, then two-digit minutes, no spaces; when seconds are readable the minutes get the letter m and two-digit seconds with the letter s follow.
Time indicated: 10h42
